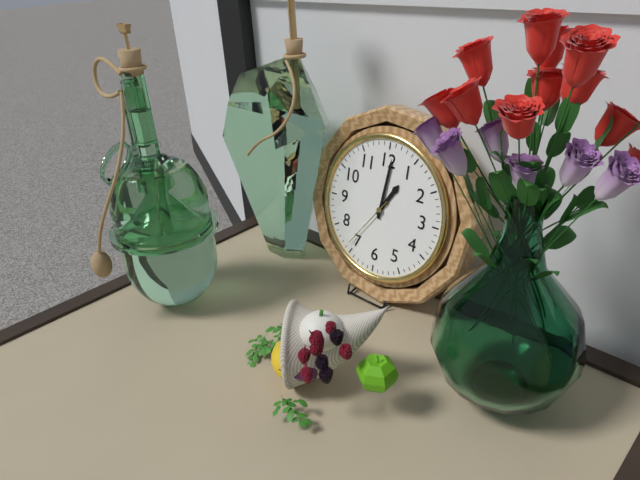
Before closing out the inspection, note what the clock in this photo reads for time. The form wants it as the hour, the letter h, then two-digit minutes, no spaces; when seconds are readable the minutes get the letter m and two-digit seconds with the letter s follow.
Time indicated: 1h01m36s
